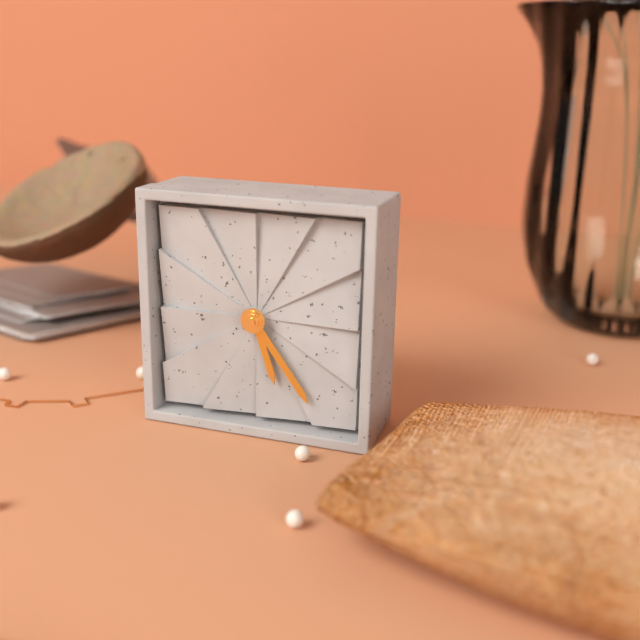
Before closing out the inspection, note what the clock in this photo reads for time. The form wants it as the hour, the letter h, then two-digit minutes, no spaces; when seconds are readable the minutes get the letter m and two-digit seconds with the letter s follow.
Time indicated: 5h24
